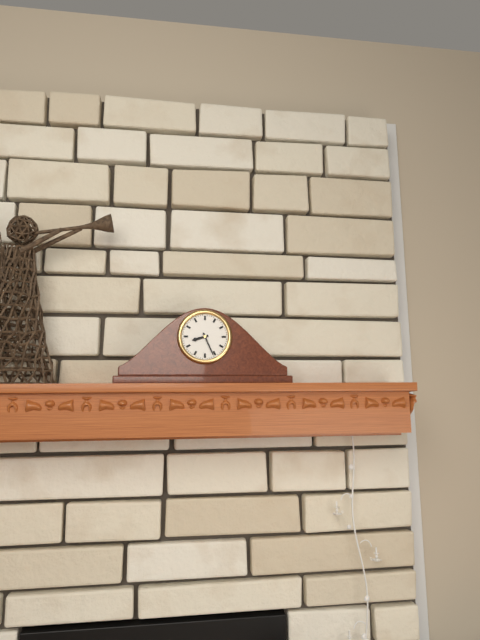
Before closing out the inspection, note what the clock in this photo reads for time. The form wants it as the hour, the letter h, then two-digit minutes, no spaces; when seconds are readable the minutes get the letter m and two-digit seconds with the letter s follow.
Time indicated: 8h26
